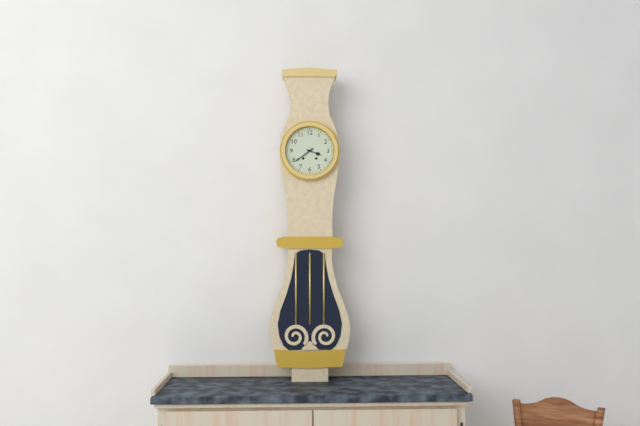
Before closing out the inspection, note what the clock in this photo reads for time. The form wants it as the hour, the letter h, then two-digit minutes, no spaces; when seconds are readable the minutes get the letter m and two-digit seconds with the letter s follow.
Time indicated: 3h39
